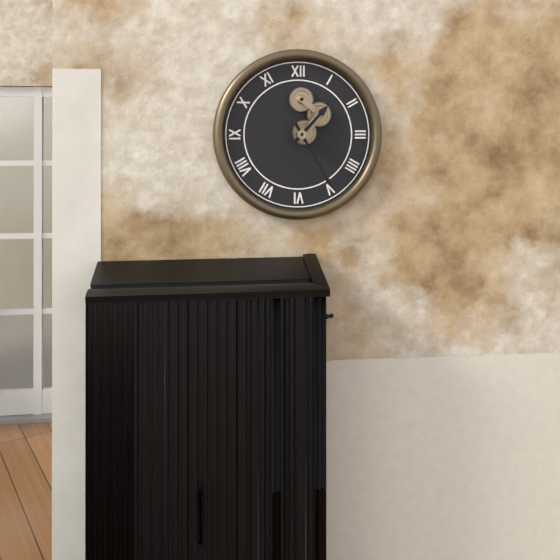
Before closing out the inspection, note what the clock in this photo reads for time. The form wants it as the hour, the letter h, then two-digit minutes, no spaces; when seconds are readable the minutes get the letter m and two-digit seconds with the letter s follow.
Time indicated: 1h25
